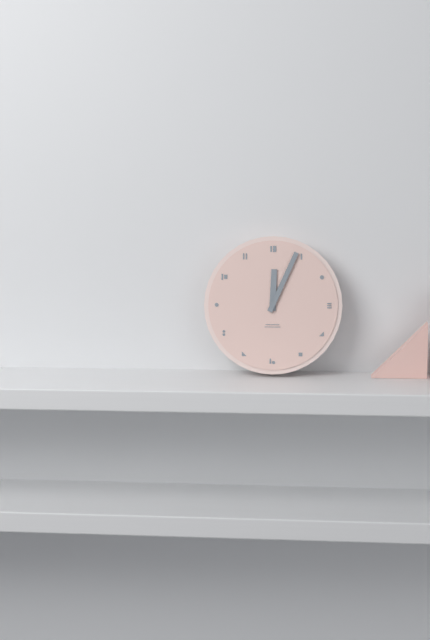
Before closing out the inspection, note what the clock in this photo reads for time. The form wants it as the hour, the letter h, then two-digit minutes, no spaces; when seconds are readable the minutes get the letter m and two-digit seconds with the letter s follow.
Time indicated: 12h04
